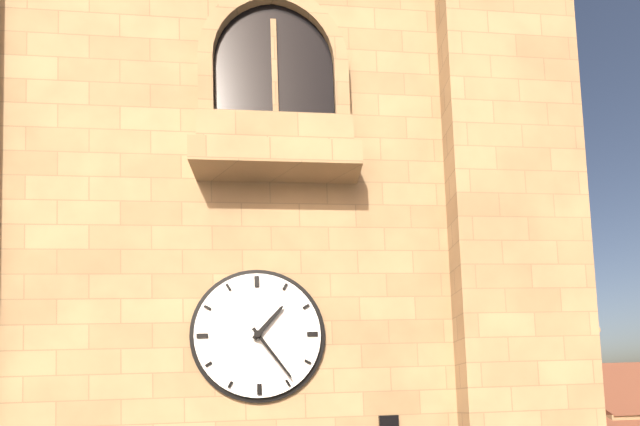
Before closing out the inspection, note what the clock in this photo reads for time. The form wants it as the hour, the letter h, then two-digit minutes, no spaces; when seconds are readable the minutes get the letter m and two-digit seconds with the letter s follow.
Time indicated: 1h24
